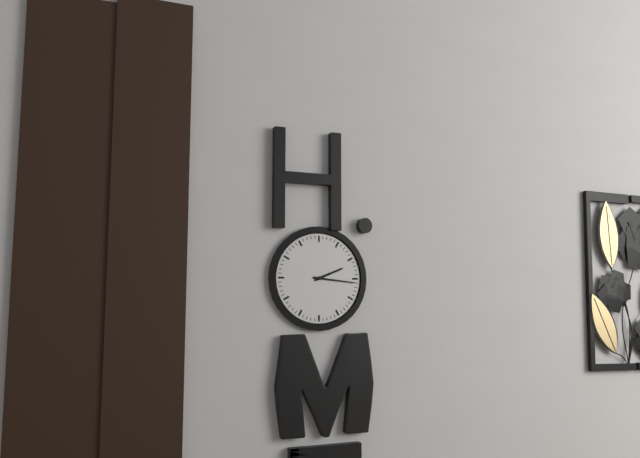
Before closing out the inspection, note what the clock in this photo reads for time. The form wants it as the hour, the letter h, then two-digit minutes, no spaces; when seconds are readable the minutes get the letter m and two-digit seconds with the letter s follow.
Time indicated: 2h16
